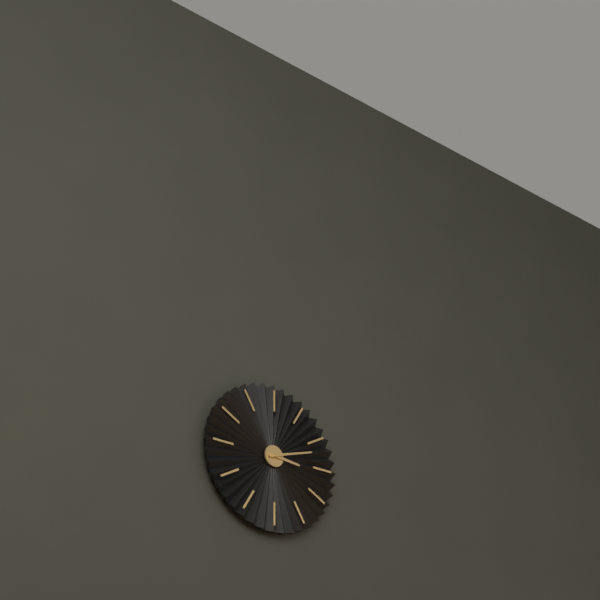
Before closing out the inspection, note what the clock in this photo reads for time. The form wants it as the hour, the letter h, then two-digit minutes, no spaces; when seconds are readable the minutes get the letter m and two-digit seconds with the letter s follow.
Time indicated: 3h12
